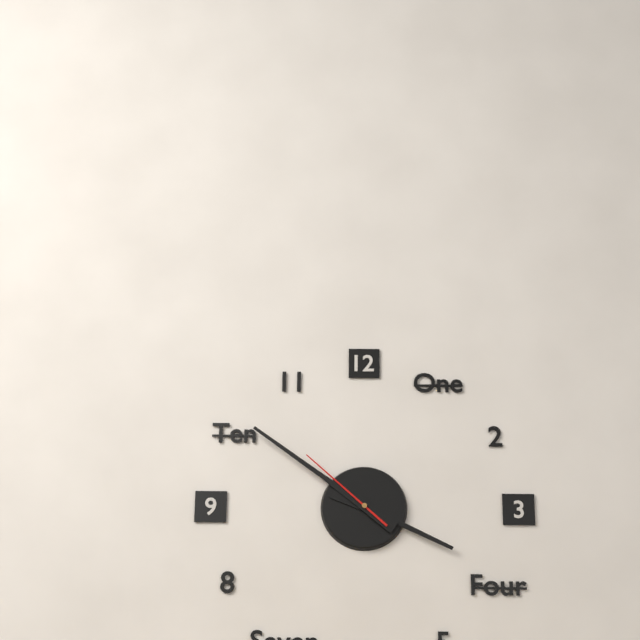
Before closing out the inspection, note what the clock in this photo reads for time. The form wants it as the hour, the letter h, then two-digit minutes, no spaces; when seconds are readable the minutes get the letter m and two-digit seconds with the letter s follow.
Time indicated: 3h51m52s
